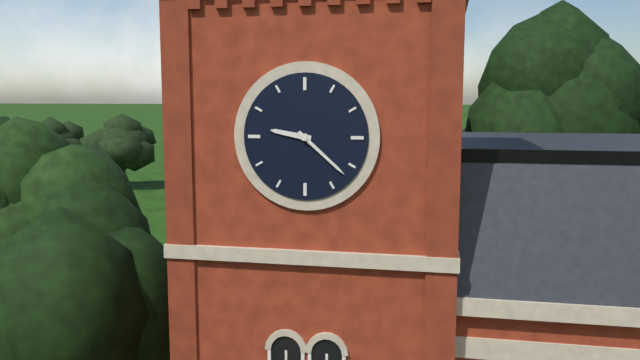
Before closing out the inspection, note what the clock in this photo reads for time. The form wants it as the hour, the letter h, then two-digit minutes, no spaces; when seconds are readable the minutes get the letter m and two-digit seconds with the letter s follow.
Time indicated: 9h22
